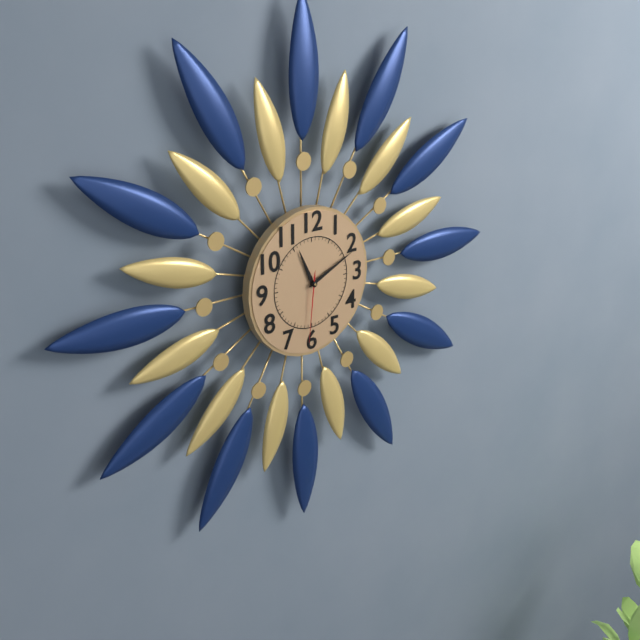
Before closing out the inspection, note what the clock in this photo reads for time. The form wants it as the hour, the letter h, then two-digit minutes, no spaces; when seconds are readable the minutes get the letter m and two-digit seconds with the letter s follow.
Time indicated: 11h11m31s
